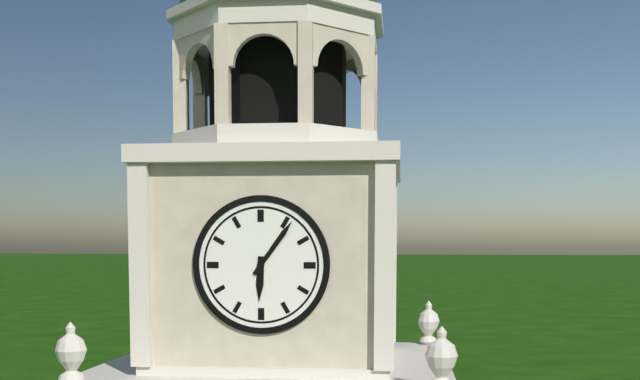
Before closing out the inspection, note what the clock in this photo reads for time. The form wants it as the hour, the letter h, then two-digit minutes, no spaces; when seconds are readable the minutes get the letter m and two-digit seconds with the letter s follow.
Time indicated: 6h06
